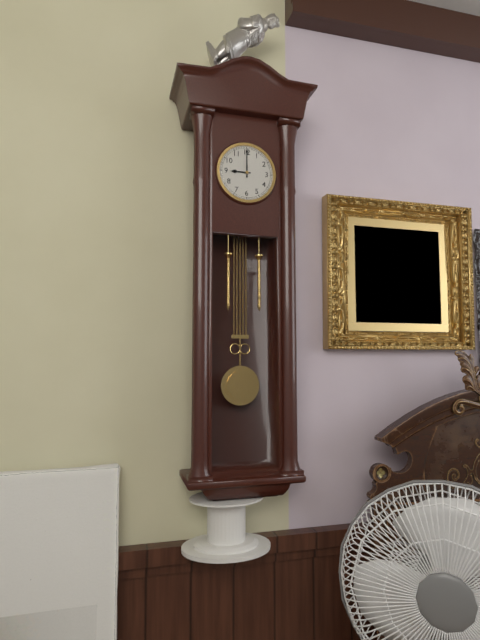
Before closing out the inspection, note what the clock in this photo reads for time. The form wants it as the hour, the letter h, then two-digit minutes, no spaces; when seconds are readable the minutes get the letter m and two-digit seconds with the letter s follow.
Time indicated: 9h00
